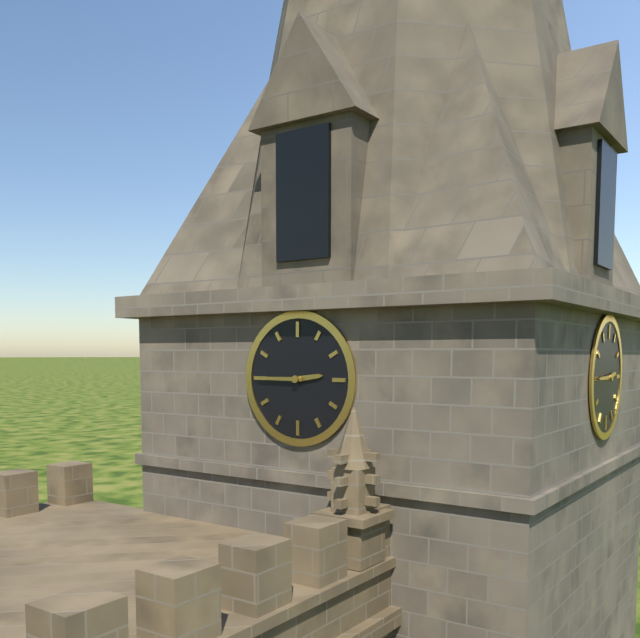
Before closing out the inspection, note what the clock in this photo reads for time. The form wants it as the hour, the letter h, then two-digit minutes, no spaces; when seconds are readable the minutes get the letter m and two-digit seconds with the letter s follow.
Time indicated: 2h45
